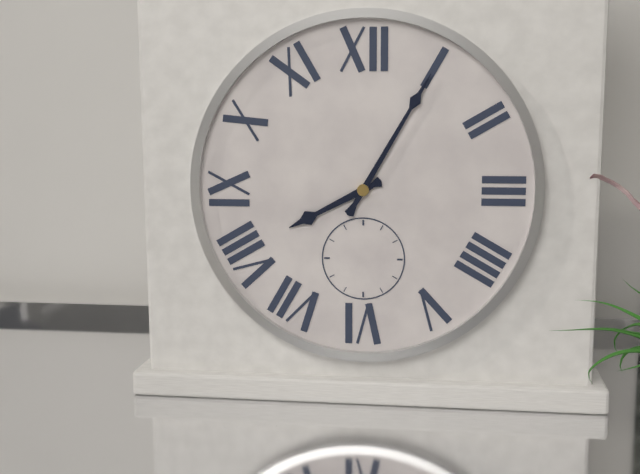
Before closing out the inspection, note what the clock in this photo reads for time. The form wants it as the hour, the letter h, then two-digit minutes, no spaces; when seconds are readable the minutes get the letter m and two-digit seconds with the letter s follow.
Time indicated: 8h05
